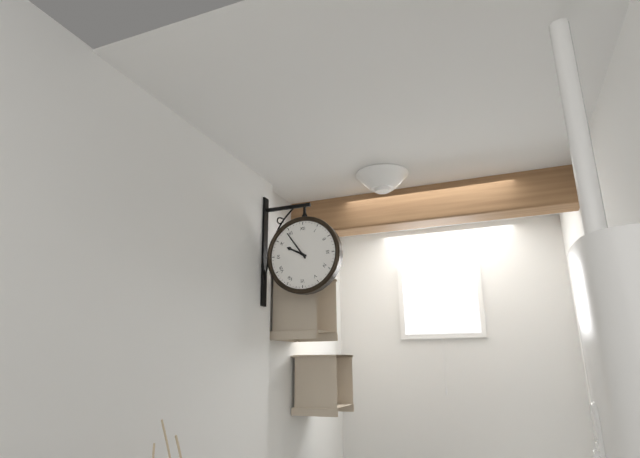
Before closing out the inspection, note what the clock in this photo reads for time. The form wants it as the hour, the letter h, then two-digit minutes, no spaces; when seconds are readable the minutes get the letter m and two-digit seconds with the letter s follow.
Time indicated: 9h54
